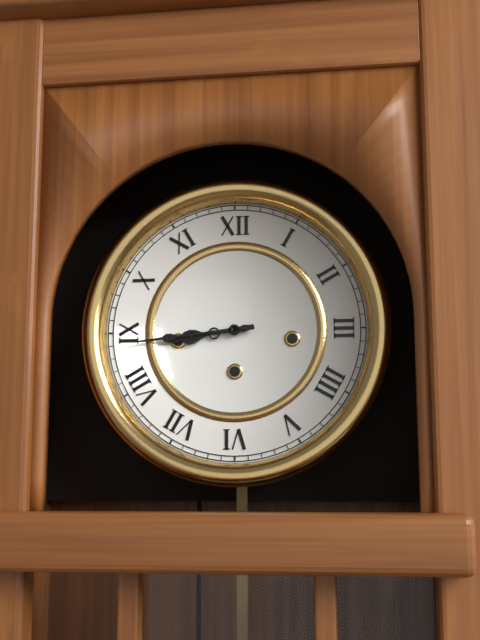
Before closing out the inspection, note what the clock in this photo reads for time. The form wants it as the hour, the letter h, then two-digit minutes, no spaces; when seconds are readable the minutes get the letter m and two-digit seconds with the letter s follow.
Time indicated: 8h44
